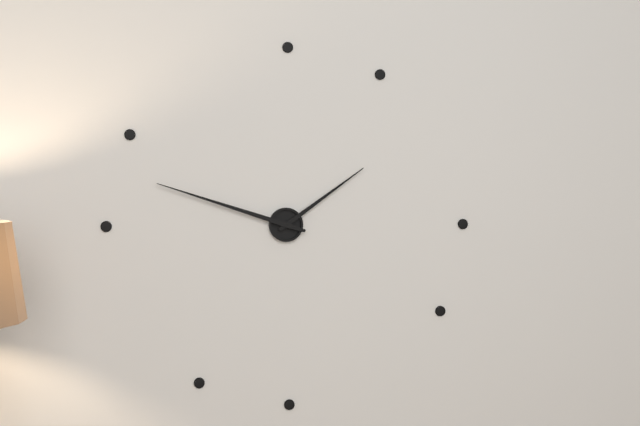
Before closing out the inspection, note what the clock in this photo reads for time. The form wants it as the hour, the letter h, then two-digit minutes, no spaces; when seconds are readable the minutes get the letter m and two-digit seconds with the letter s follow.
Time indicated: 1h48
